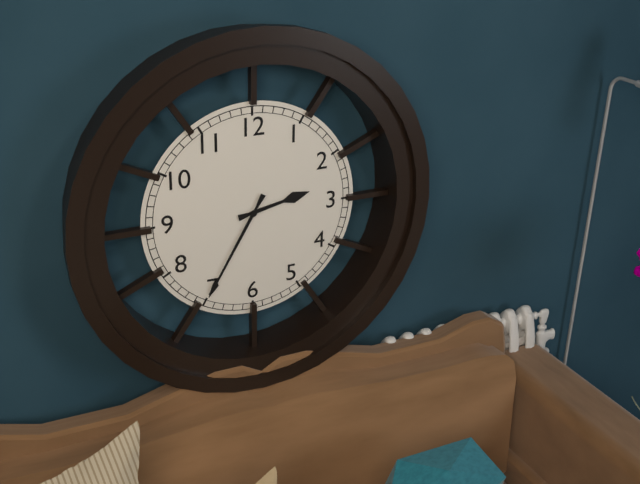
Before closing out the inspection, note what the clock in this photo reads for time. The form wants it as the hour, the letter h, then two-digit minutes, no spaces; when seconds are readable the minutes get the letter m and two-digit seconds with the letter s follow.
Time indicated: 2h35
